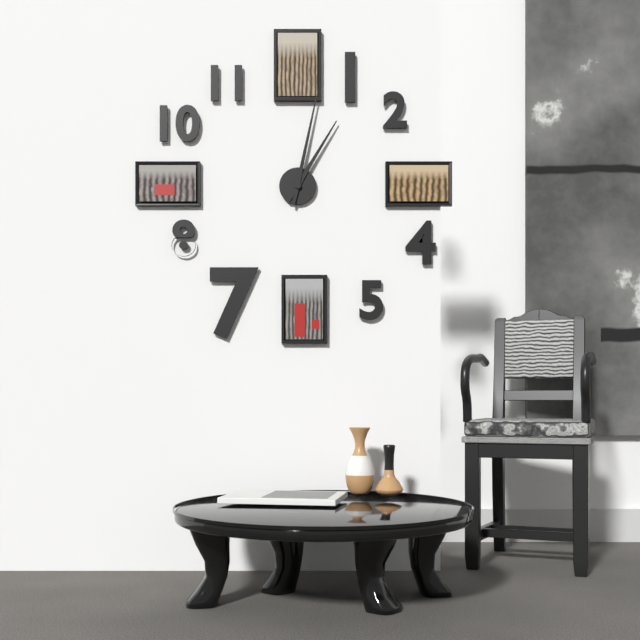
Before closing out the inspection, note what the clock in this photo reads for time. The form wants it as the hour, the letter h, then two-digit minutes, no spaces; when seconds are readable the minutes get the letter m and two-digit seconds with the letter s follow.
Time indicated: 1h02
